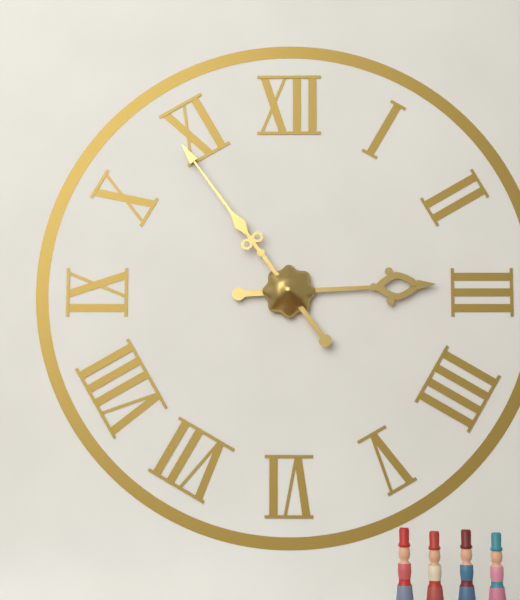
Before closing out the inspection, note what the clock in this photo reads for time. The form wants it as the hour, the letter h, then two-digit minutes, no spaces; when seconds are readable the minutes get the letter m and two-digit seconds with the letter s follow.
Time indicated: 2h54
